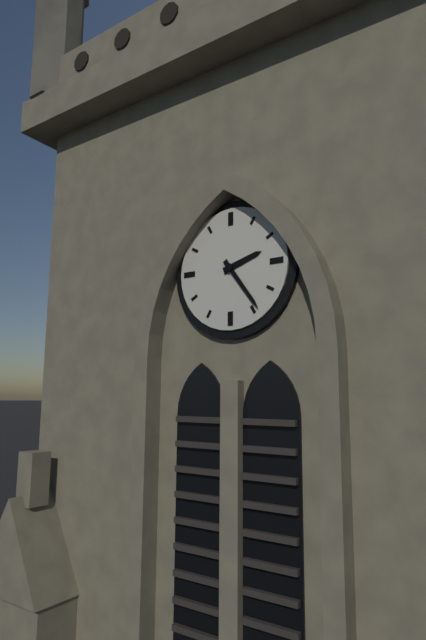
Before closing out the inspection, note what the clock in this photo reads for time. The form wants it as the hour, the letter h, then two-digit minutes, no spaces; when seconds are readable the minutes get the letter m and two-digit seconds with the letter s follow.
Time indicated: 2h24
